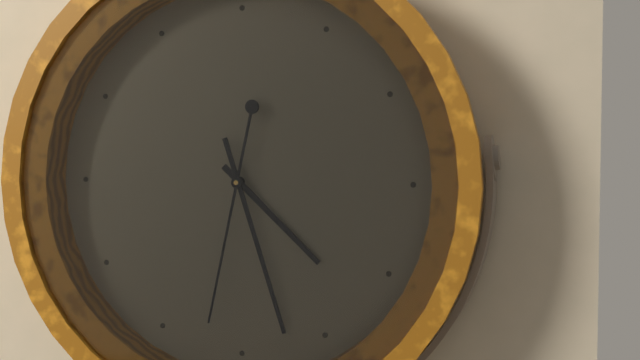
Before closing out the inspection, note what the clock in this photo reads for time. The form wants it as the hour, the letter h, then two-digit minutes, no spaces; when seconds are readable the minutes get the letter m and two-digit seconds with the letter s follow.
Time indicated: 4h27m32s
